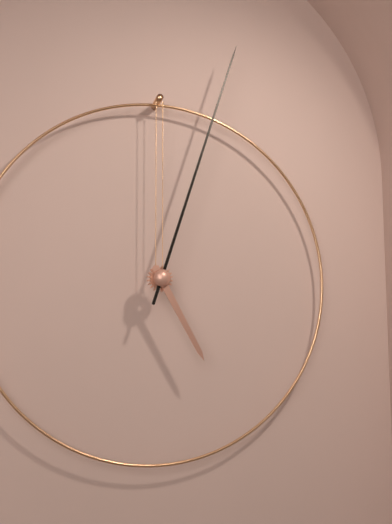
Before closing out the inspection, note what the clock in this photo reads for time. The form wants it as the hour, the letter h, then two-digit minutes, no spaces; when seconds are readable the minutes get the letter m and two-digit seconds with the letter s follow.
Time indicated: 5h03
